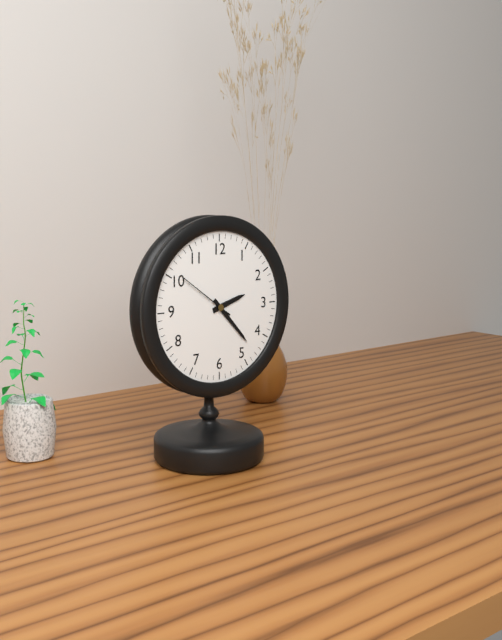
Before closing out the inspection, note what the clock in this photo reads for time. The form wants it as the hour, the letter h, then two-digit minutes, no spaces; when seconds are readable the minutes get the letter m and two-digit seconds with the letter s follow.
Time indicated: 2h23m51s
